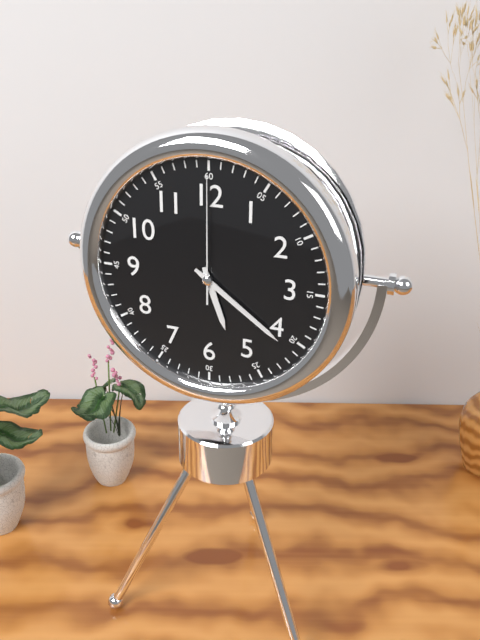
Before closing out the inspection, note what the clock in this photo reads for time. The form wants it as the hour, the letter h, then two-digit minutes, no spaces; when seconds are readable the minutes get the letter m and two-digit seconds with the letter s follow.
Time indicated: 5h21m00s
